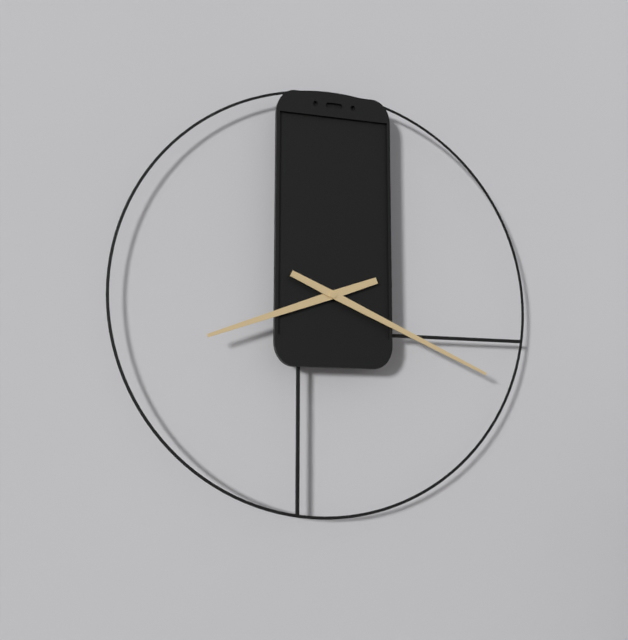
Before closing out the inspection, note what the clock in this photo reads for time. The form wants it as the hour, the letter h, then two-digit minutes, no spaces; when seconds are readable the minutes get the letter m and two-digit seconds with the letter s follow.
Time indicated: 8h19
